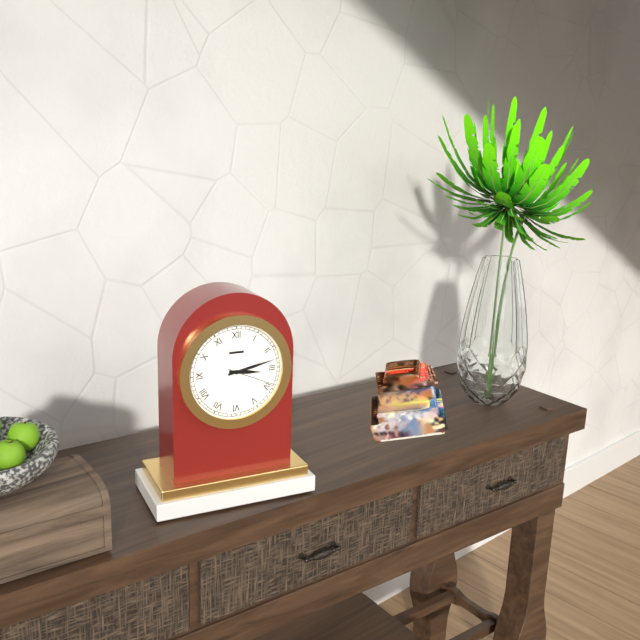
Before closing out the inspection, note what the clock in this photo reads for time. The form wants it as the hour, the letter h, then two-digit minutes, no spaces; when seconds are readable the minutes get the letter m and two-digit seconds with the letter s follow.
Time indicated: 3h13
